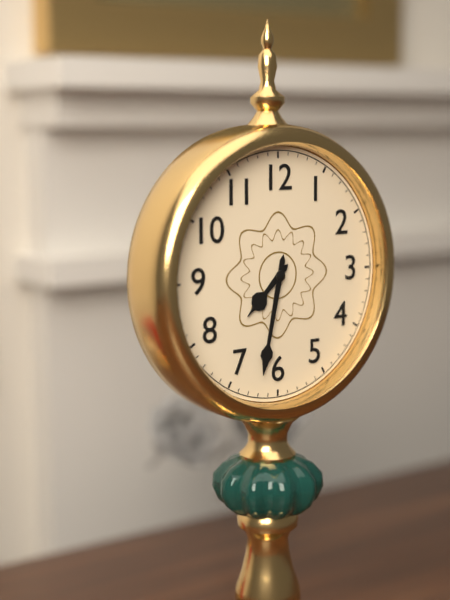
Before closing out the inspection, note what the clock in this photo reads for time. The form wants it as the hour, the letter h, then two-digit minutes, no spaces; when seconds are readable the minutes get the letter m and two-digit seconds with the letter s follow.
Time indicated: 7h32
